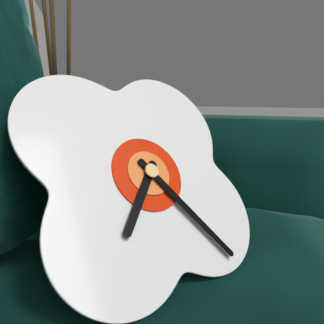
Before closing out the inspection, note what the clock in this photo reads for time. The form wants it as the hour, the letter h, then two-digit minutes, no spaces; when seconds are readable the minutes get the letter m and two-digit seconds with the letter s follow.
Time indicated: 7h25
